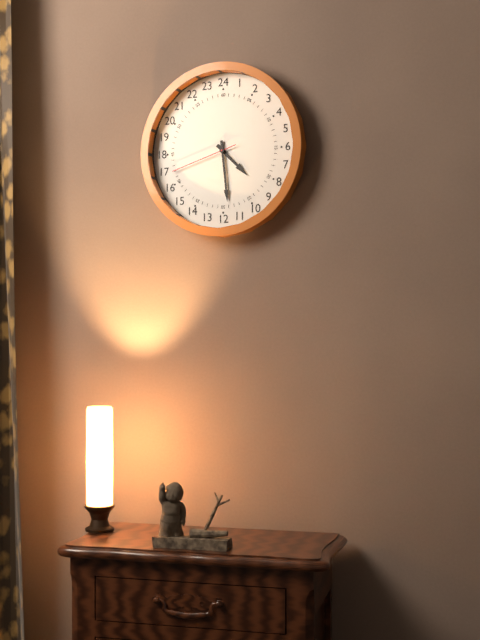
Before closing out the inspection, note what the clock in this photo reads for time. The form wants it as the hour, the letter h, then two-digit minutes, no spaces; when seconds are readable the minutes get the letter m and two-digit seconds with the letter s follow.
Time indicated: 4h29m42s
